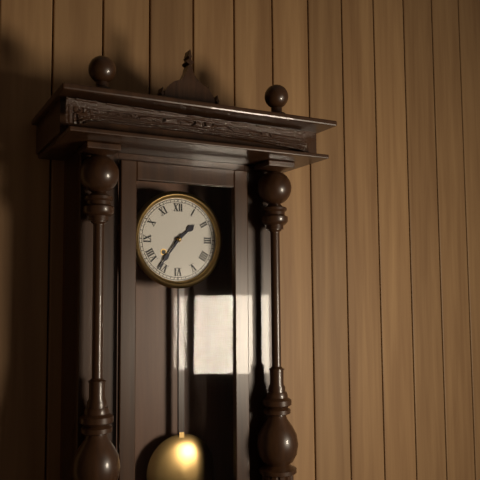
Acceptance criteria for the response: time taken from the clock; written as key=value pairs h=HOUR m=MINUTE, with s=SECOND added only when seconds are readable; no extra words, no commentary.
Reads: h=1 m=36
